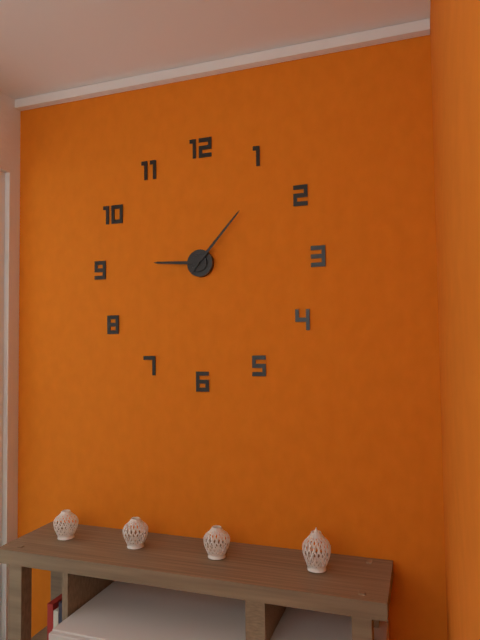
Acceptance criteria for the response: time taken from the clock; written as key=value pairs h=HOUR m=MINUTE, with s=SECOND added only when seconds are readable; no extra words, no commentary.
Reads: h=9 m=7
